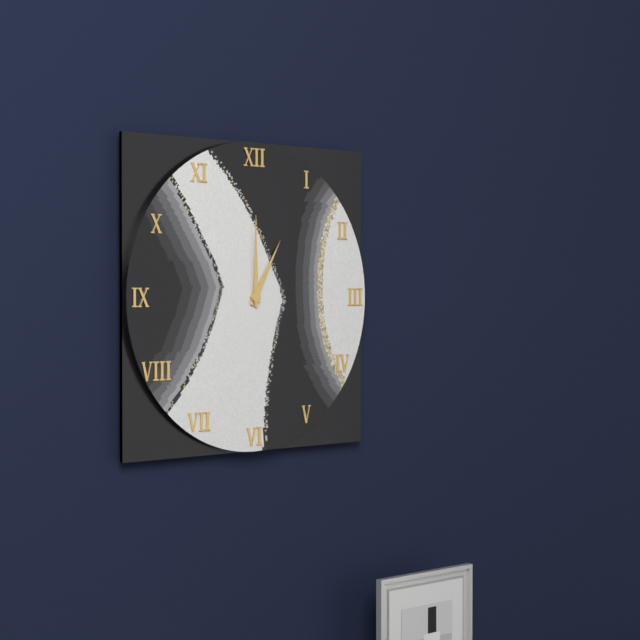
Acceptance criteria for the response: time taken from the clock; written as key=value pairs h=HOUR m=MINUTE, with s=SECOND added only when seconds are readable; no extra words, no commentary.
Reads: h=1 m=0
